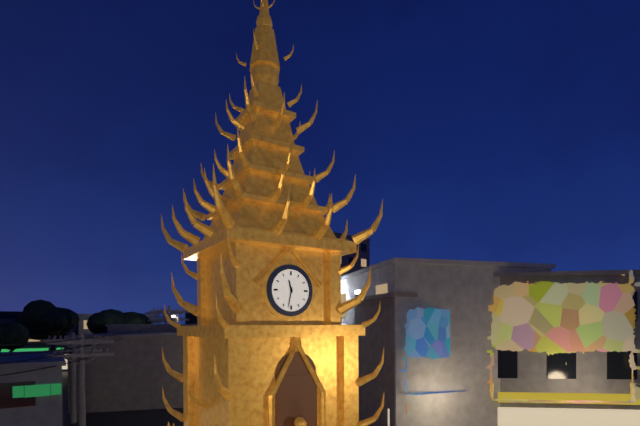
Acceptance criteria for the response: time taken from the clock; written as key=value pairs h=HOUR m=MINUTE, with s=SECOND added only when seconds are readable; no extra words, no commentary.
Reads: h=11 m=32
